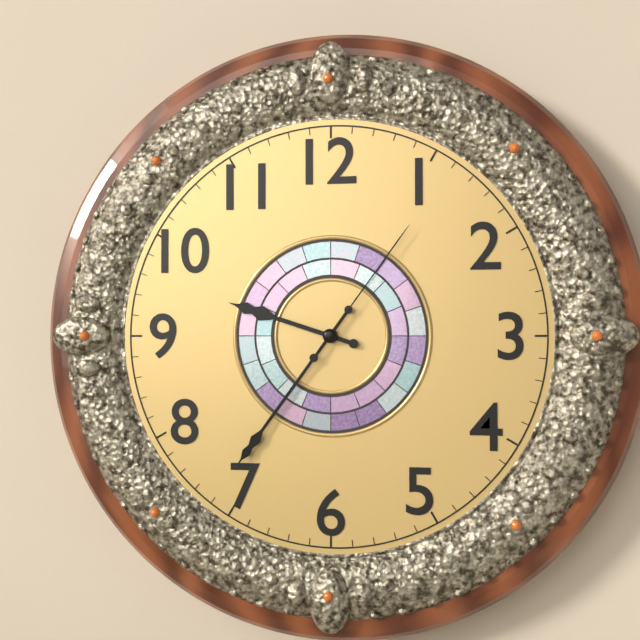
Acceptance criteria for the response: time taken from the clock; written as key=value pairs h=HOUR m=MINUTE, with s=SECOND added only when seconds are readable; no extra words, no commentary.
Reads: h=9 m=36 s=6
